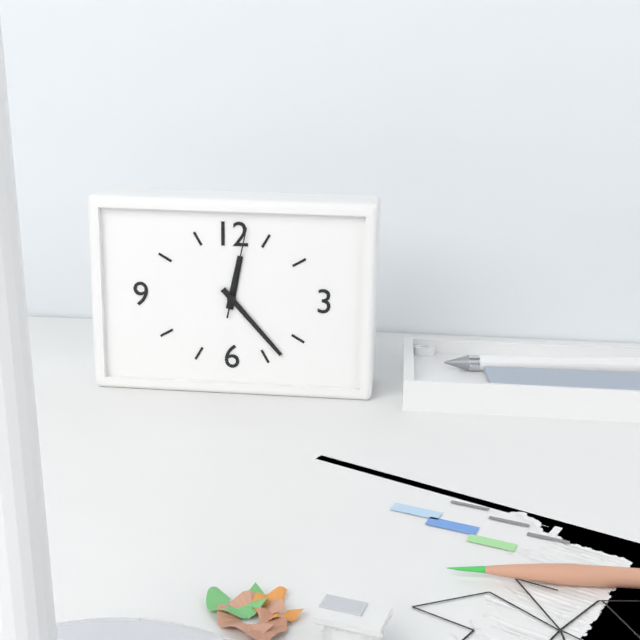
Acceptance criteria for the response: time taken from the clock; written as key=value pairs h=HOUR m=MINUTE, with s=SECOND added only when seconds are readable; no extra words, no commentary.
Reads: h=12 m=23 s=2
